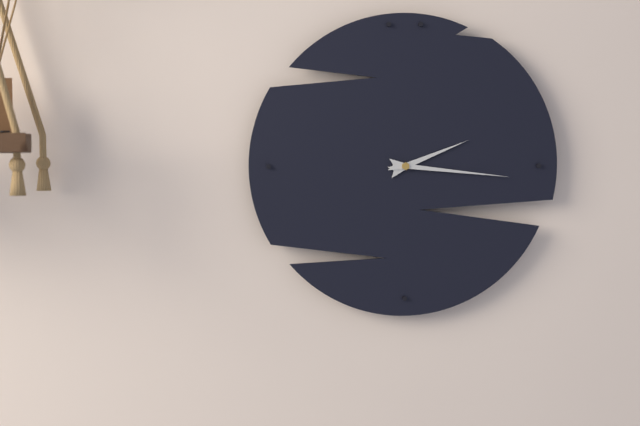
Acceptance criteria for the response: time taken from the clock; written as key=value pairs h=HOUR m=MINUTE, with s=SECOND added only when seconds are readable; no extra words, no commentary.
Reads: h=2 m=16
